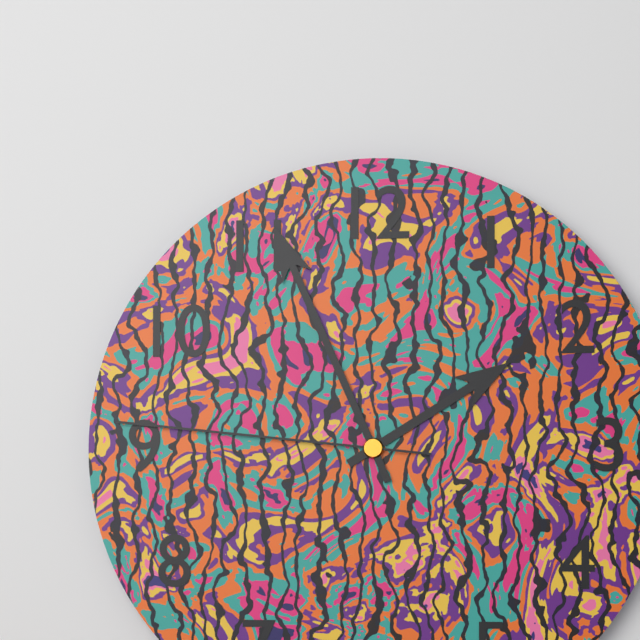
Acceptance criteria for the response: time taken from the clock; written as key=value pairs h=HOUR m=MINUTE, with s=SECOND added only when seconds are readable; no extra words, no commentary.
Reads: h=1 m=56 s=46
